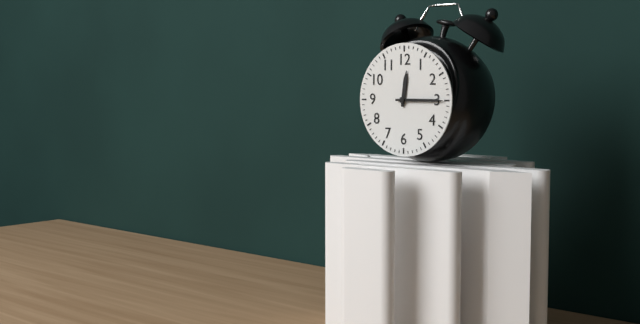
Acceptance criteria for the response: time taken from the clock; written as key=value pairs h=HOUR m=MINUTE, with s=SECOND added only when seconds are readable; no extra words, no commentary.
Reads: h=12 m=15
